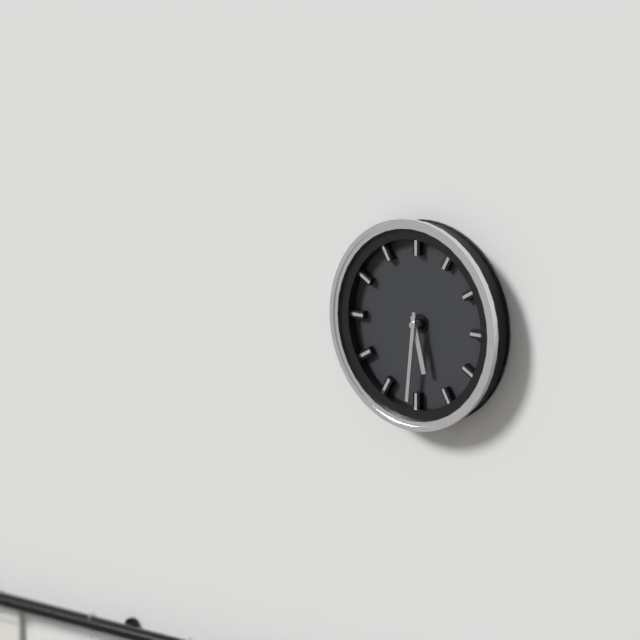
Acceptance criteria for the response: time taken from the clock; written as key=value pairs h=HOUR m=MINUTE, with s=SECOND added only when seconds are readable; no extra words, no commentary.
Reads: h=5 m=31
